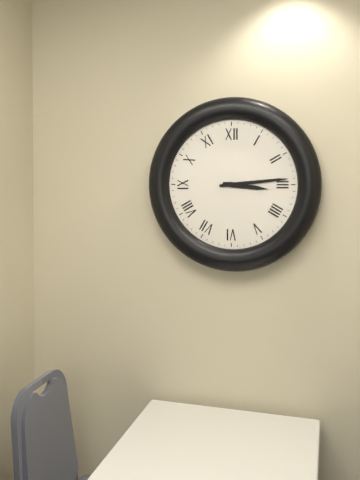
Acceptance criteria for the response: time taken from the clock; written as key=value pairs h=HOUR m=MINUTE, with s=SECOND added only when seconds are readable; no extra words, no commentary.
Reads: h=3 m=14
